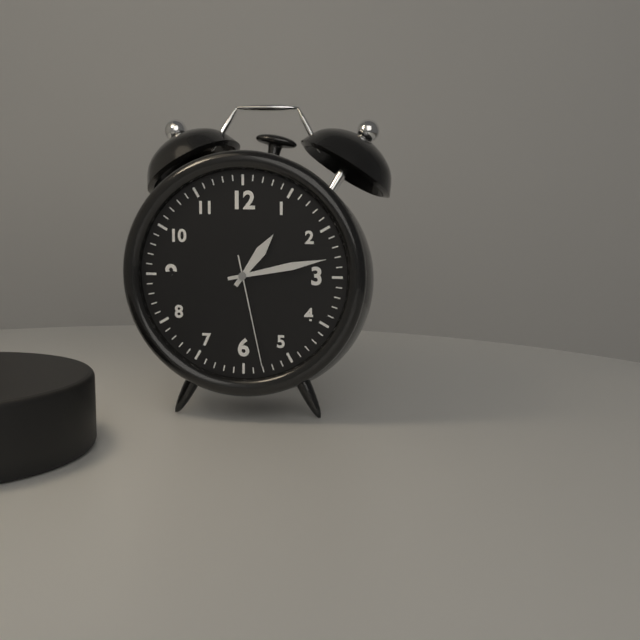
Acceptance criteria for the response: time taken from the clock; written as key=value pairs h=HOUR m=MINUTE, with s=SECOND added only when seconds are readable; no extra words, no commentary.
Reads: h=1 m=13 s=28
